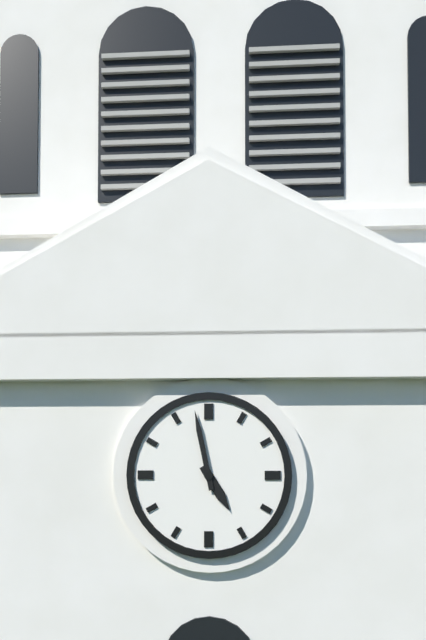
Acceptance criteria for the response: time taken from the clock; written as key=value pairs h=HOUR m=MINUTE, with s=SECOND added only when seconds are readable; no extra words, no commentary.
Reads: h=4 m=58
